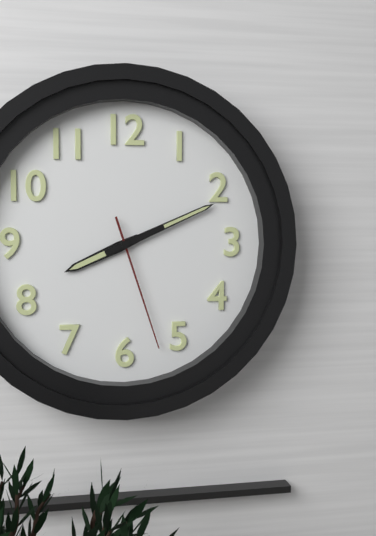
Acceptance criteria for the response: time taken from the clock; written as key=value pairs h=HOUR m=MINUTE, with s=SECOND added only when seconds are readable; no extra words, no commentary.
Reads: h=8 m=11 s=27
